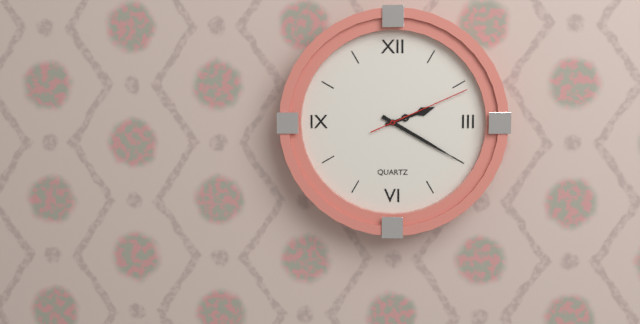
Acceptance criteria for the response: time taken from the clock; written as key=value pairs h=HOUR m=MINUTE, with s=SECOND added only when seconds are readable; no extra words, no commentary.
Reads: h=2 m=20 s=11
